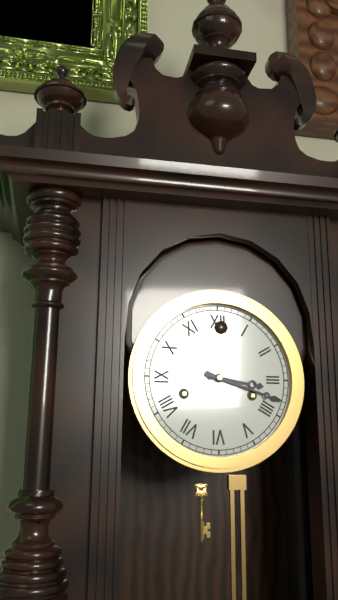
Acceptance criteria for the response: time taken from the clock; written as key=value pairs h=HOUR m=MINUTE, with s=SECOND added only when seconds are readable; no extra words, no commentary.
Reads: h=3 m=18
